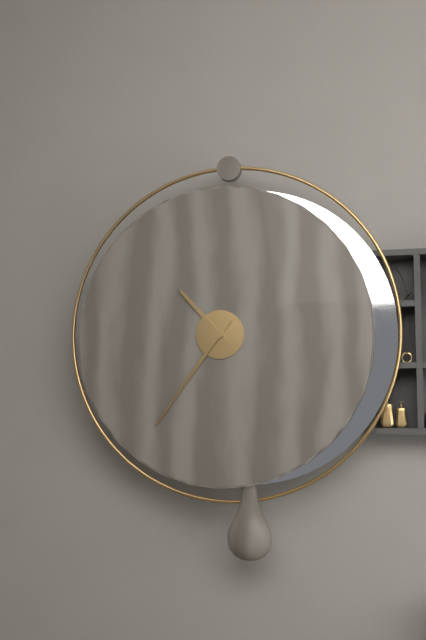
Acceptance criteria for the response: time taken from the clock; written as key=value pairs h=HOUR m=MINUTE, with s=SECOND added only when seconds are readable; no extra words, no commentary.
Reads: h=10 m=36
